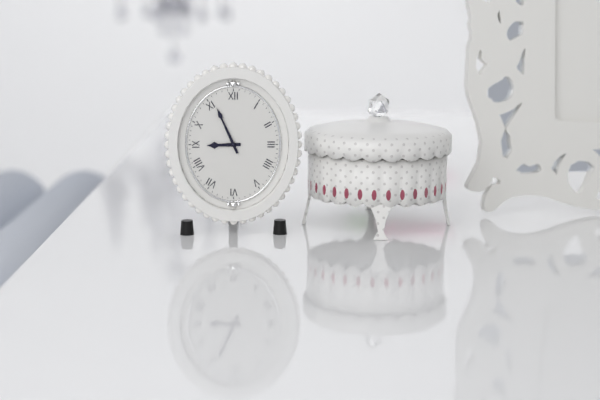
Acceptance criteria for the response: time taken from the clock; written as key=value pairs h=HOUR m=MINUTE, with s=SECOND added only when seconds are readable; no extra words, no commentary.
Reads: h=8 m=56
